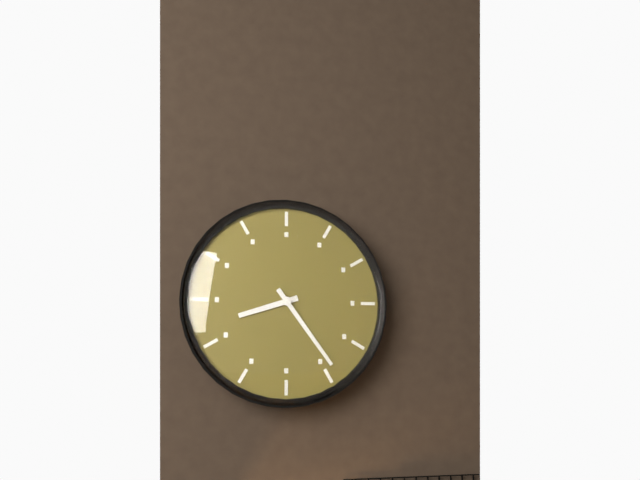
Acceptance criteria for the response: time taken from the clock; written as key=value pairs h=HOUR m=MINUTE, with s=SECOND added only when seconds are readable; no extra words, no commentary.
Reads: h=8 m=24
